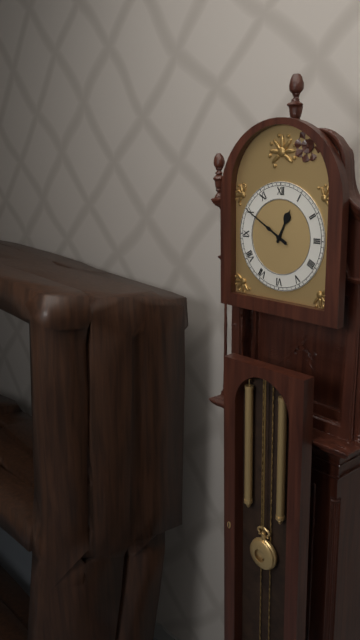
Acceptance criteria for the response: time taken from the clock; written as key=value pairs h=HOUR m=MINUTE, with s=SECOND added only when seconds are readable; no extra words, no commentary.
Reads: h=12 m=50
